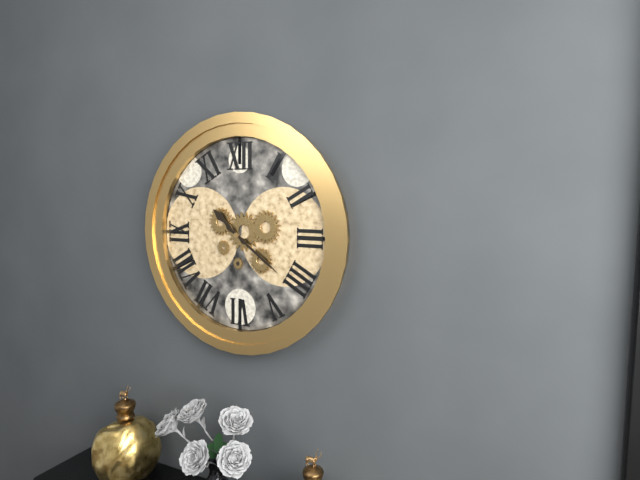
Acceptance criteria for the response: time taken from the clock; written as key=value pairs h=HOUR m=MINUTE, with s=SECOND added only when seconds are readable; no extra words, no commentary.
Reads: h=10 m=21
